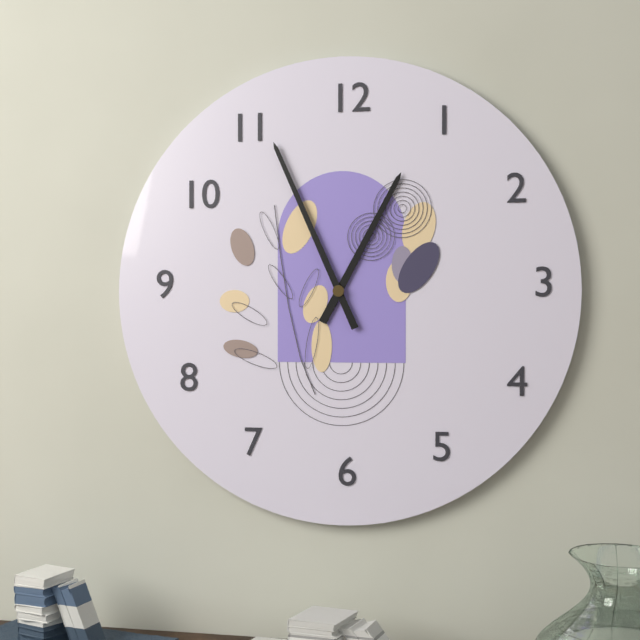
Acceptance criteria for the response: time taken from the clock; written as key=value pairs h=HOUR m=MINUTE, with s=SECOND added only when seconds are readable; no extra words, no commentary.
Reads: h=12 m=56
